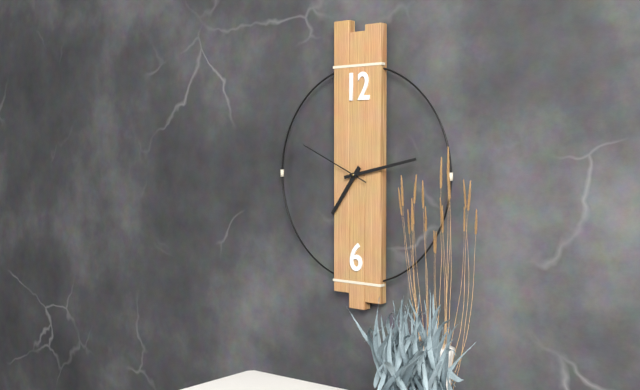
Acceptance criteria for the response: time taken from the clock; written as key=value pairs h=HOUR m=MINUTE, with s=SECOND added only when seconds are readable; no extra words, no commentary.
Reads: h=7 m=13 s=49
